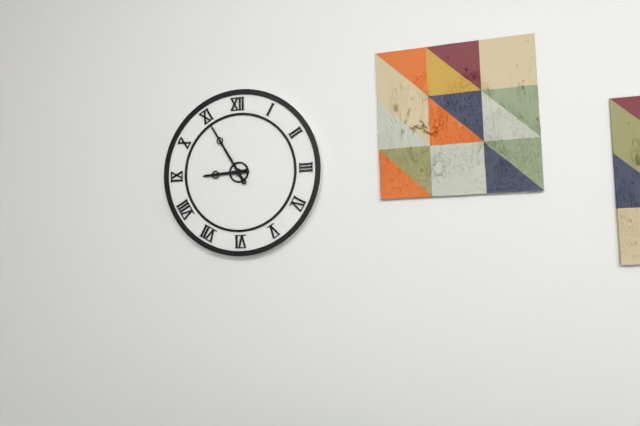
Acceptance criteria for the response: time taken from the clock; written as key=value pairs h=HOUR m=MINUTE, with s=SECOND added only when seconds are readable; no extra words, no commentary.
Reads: h=8 m=55
